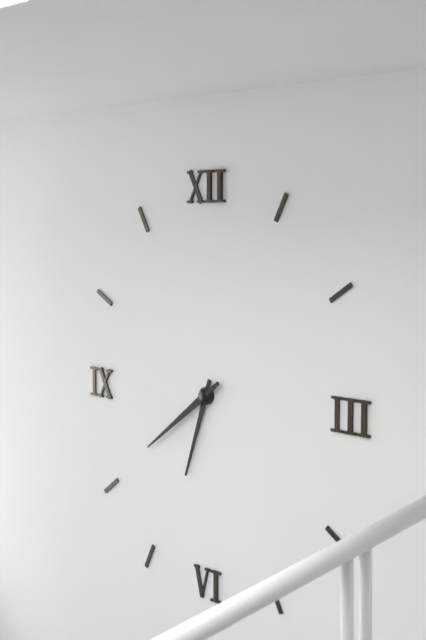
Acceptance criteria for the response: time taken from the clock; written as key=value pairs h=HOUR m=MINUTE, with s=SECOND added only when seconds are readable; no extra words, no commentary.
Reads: h=6 m=39
